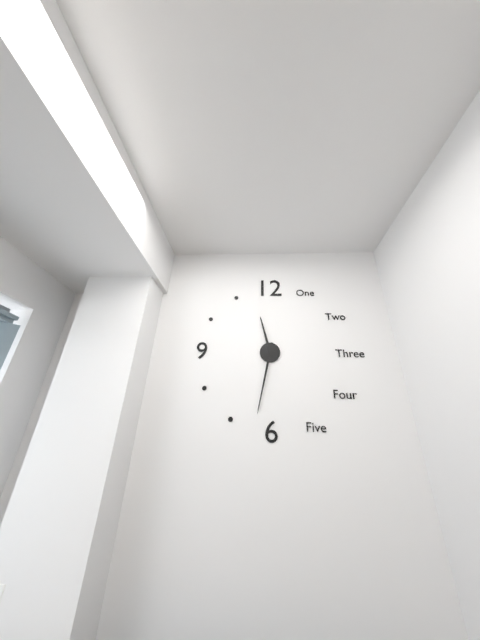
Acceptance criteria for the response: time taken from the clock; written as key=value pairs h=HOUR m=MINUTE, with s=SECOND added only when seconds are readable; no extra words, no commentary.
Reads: h=11 m=32
